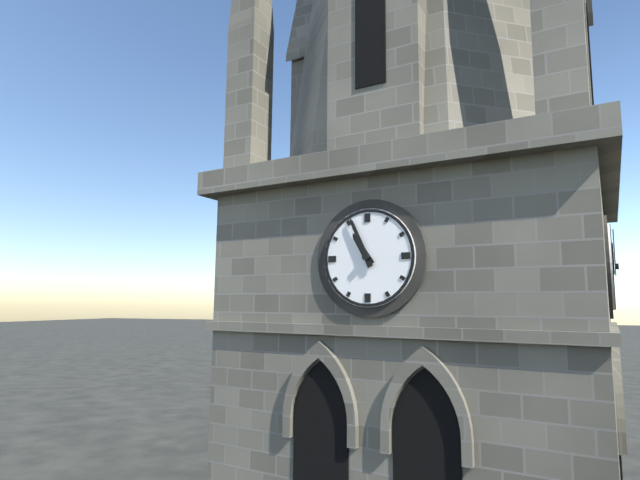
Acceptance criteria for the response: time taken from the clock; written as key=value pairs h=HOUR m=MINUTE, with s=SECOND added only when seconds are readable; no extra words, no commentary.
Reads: h=10 m=56
